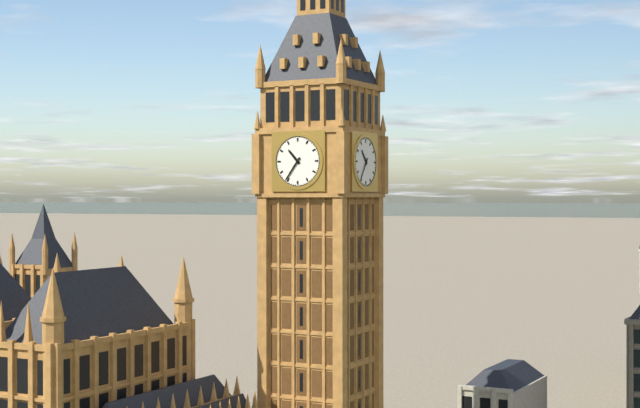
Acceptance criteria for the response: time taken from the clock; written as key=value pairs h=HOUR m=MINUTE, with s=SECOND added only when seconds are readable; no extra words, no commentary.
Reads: h=10 m=36
